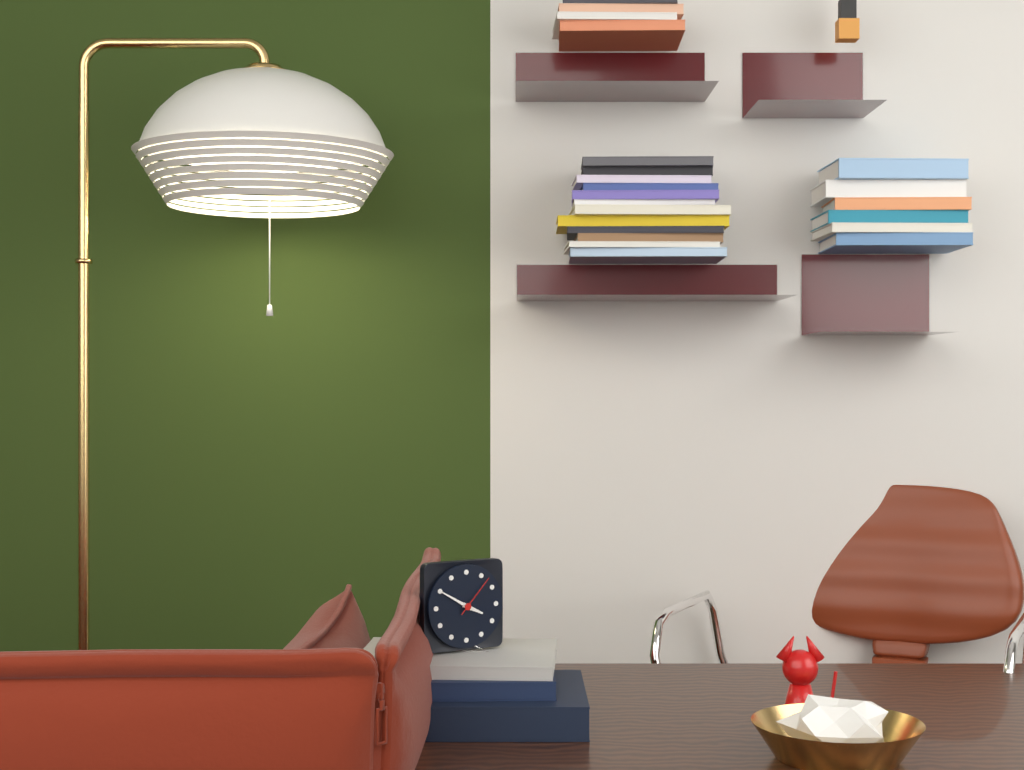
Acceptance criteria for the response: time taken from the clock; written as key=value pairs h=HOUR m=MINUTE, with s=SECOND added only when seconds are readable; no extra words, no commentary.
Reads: h=3 m=50
